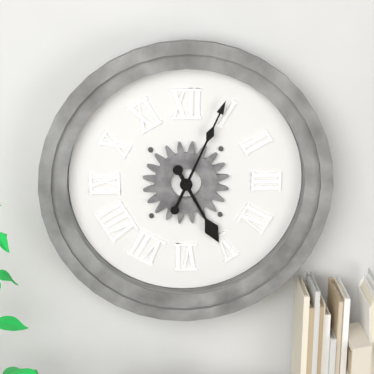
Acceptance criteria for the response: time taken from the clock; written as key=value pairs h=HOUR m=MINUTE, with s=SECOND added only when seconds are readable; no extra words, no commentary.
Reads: h=5 m=4
